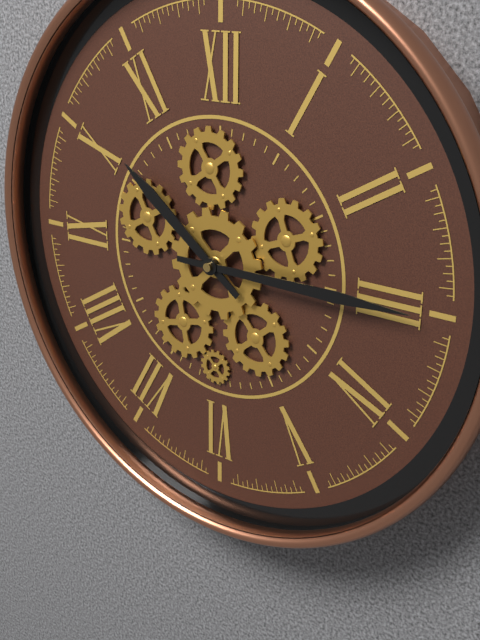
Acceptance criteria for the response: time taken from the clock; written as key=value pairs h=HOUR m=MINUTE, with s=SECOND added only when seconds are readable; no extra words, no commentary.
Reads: h=10 m=15
